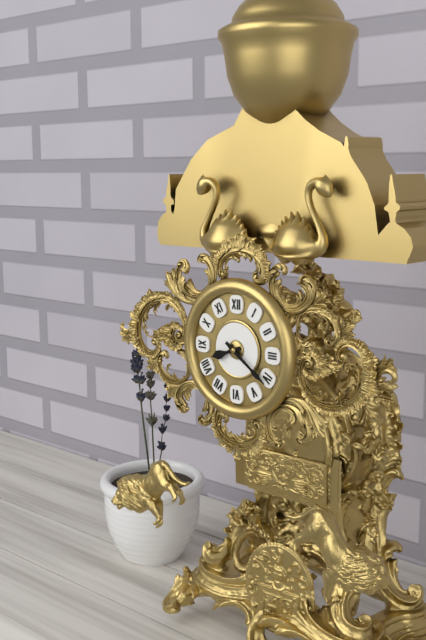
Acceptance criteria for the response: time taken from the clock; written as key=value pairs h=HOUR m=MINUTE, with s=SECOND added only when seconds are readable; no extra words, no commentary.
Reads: h=8 m=21
